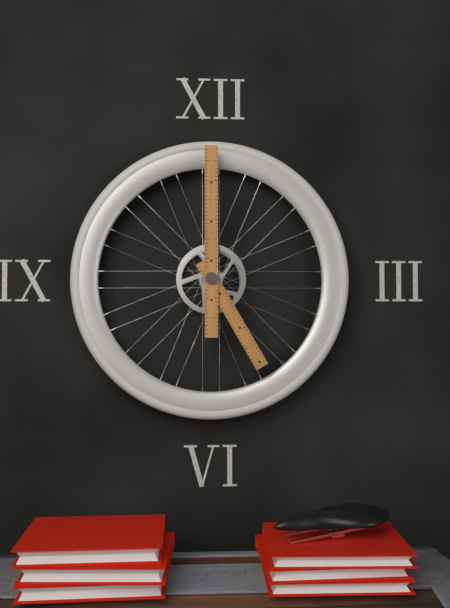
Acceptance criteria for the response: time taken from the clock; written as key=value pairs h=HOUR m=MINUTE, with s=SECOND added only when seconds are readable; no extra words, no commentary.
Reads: h=5 m=0
